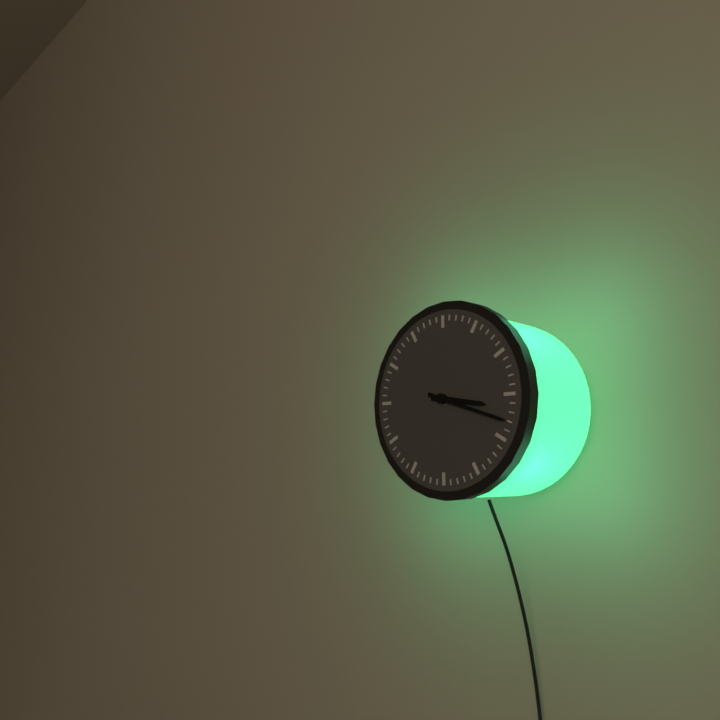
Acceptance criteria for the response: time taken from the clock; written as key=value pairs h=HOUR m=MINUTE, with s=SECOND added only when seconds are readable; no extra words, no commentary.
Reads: h=3 m=18
